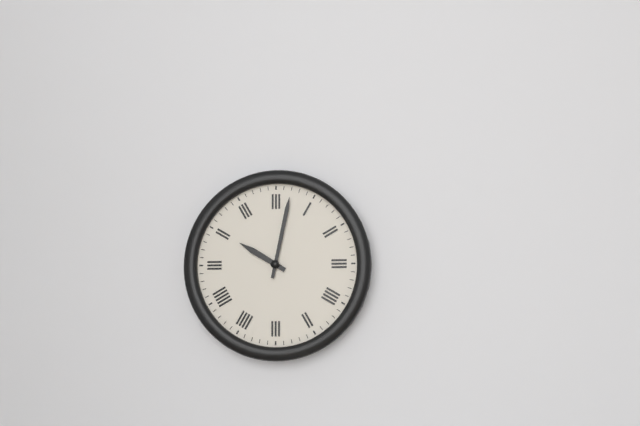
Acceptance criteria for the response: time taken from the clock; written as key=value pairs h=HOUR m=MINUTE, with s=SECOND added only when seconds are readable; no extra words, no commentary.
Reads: h=10 m=2
